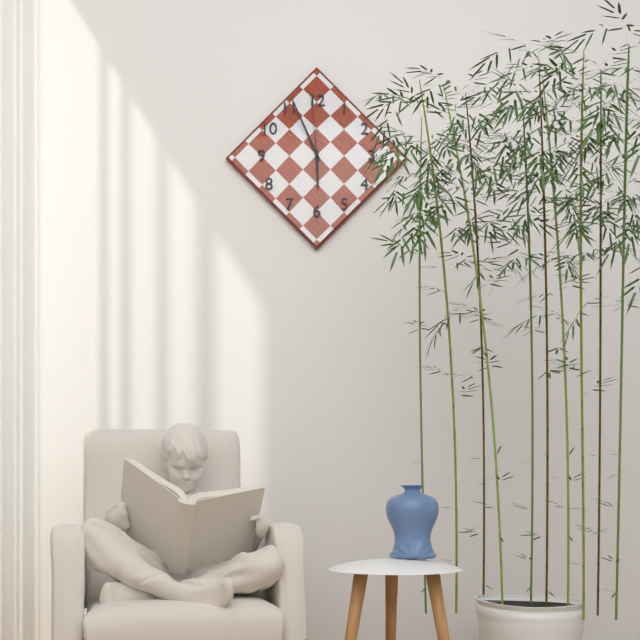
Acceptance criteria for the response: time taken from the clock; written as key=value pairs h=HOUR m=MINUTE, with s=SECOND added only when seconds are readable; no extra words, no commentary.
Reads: h=5 m=56 s=59
